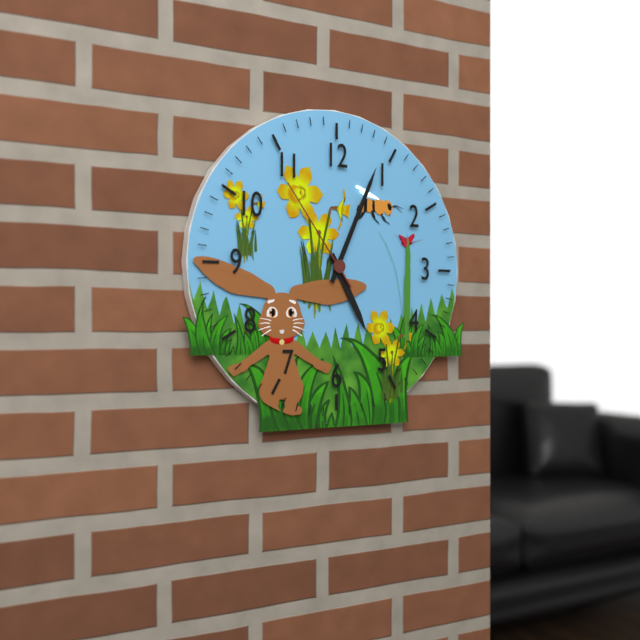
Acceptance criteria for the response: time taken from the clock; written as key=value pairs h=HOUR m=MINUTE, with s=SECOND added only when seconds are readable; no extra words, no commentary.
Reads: h=5 m=4 s=54
